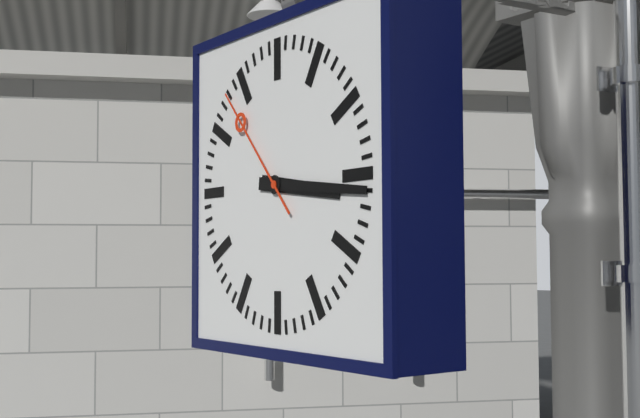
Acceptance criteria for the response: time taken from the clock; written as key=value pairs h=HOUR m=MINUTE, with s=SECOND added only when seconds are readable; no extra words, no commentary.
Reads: h=3 m=16 s=53
